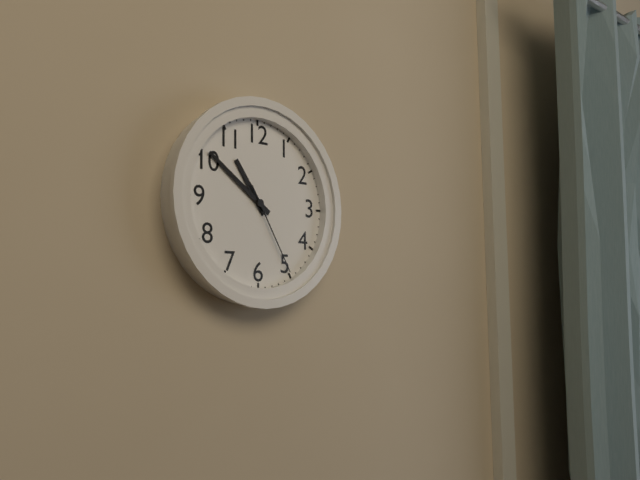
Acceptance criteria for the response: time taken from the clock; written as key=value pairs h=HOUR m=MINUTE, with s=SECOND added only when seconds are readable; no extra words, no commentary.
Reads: h=10 m=51 s=25
